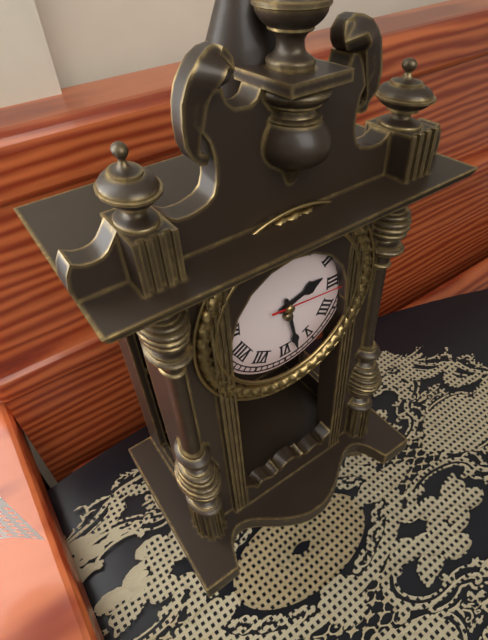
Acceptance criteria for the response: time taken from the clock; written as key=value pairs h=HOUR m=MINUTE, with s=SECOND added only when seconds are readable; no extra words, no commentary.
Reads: h=2 m=28 s=16
